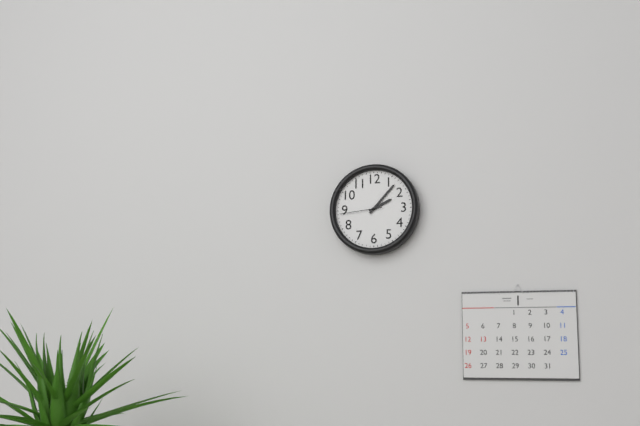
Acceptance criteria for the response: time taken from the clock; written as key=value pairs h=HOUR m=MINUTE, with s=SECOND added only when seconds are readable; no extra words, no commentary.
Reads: h=2 m=7
